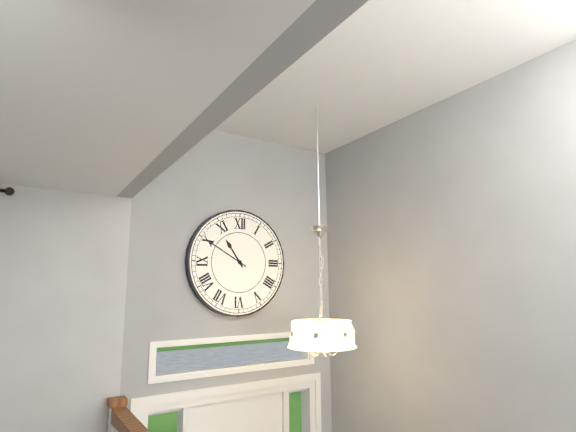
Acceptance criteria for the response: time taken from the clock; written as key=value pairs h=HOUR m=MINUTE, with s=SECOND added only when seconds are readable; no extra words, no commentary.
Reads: h=10 m=50
